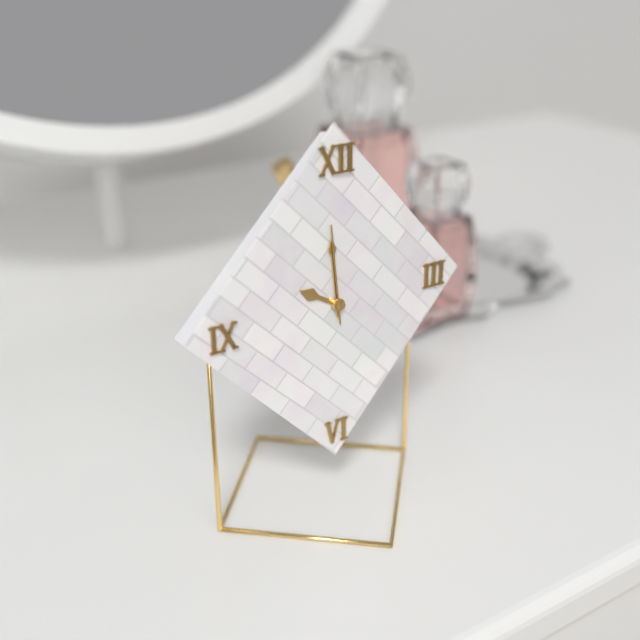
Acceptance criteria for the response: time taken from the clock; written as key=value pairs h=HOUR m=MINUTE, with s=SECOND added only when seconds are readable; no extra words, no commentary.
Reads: h=9 m=59 s=59
